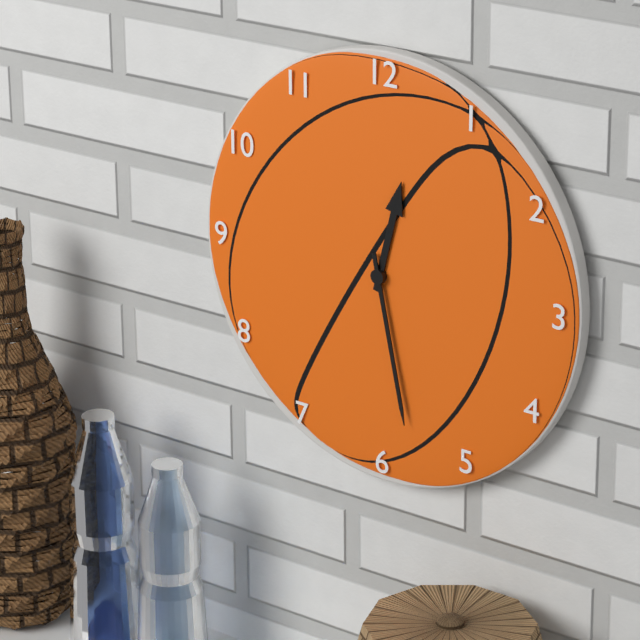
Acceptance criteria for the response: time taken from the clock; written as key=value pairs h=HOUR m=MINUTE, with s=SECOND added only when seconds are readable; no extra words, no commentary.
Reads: h=12 m=28
